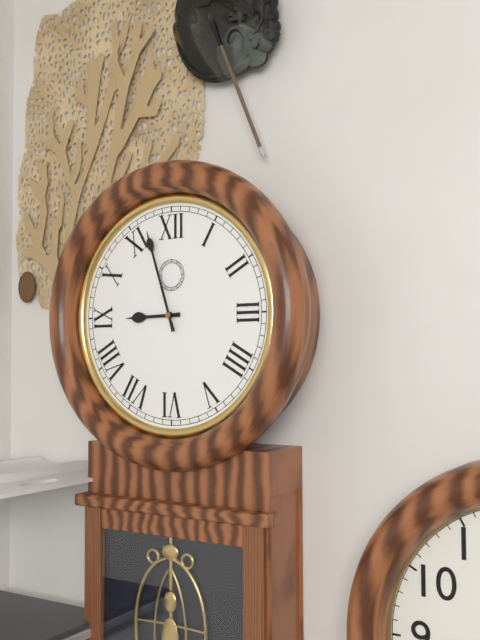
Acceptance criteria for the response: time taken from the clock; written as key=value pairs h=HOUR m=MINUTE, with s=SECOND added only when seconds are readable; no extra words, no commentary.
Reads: h=8 m=57
